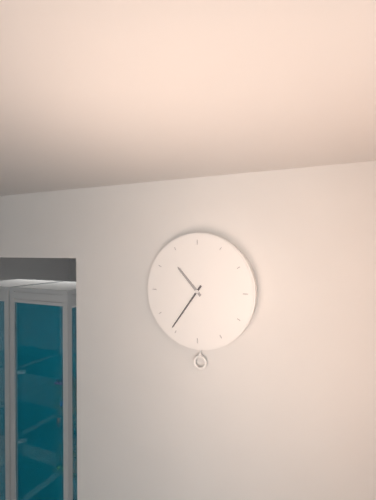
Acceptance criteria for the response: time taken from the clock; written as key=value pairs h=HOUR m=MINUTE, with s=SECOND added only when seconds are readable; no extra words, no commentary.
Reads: h=10 m=36
